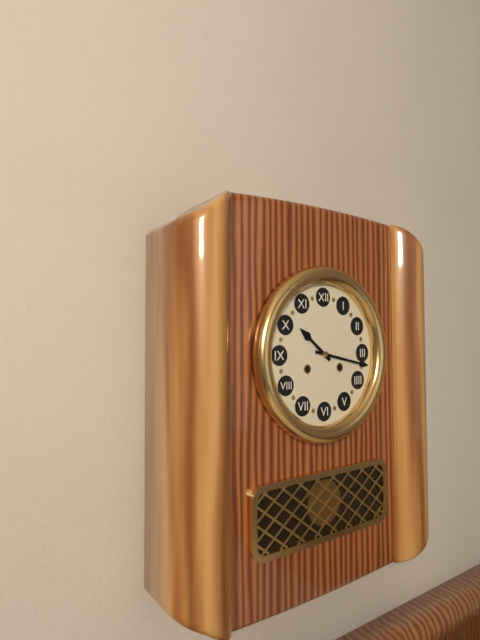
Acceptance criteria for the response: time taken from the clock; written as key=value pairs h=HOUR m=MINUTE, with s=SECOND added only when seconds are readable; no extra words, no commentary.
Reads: h=10 m=17
